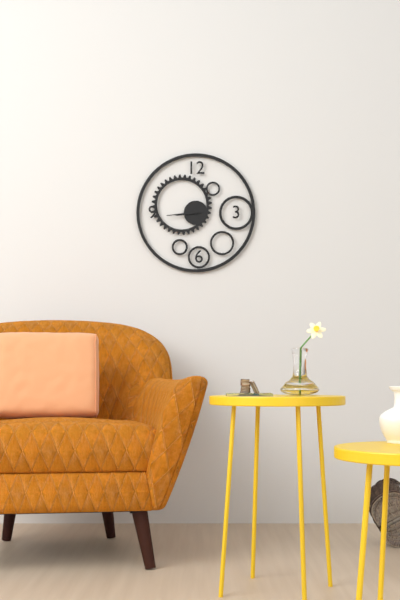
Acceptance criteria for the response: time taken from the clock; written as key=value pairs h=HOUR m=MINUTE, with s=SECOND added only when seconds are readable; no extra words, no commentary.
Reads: h=8 m=44
